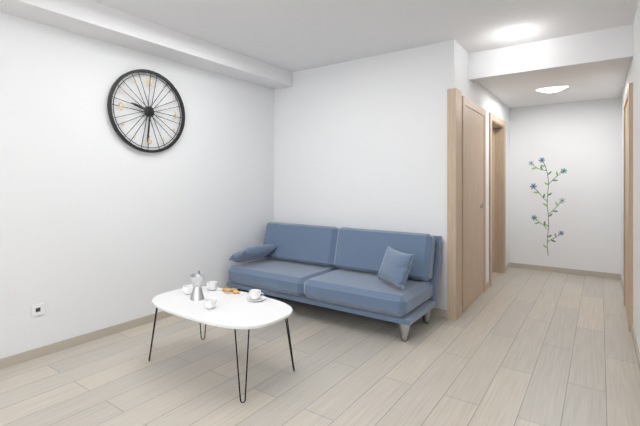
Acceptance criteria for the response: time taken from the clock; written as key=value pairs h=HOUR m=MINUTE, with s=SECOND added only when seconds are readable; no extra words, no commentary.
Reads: h=9 m=31
